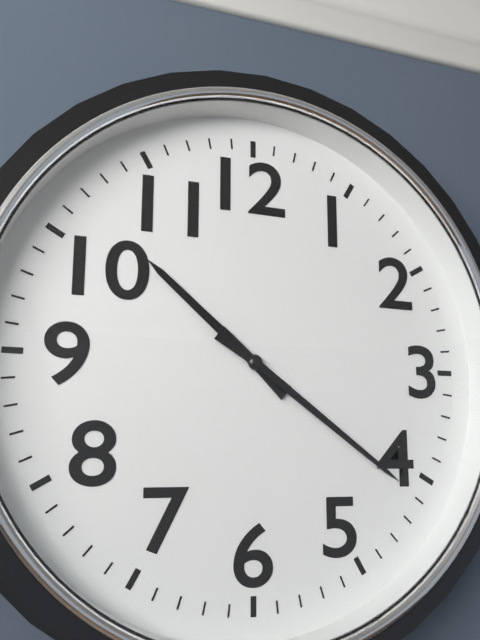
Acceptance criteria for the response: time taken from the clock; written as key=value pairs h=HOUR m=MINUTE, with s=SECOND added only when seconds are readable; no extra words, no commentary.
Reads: h=10 m=21
